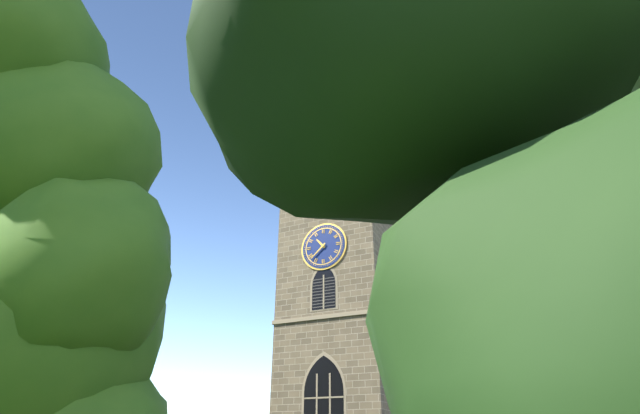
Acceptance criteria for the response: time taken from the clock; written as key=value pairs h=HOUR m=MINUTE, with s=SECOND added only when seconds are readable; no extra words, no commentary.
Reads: h=10 m=38
